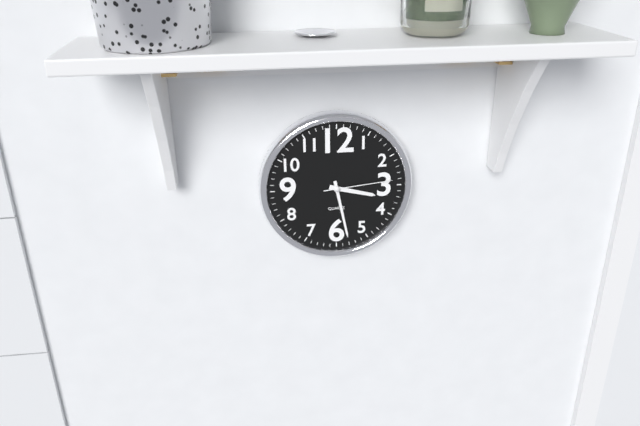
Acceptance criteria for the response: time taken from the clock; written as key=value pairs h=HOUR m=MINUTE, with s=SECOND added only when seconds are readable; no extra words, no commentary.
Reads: h=3 m=28 s=14
